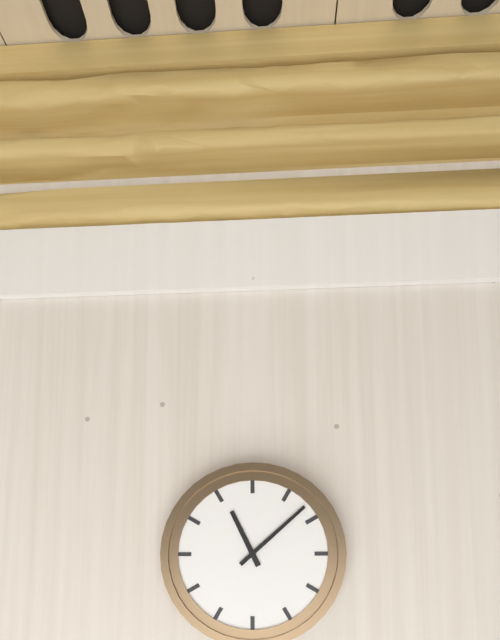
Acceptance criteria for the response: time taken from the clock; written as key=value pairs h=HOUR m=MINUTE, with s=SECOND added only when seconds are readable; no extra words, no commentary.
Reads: h=11 m=8
